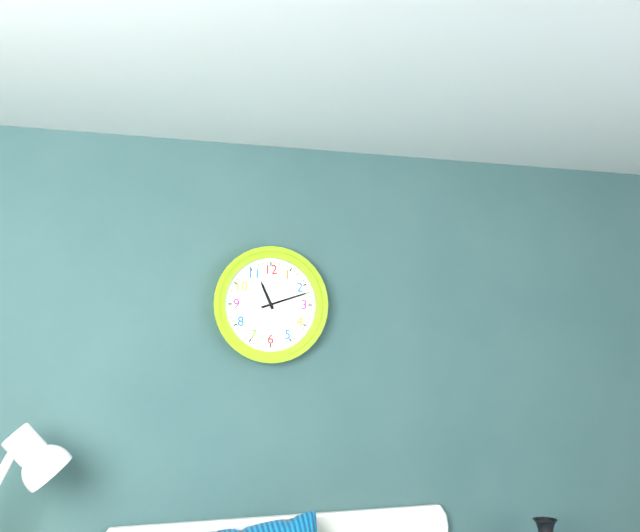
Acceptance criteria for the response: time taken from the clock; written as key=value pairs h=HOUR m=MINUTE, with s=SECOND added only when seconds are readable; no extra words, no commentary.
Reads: h=11 m=12
